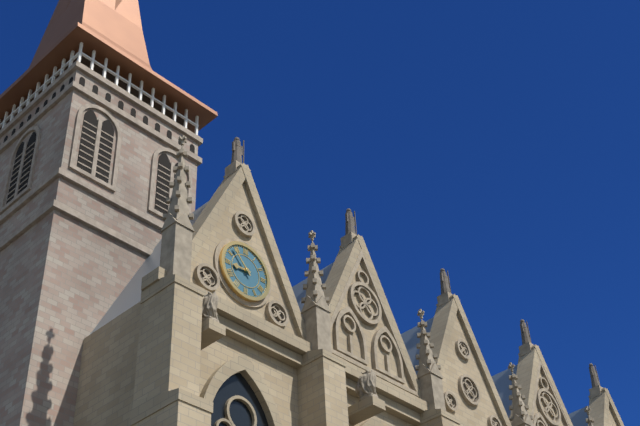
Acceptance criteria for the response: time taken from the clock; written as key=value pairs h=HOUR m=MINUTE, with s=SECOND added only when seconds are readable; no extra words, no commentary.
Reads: h=8 m=53
